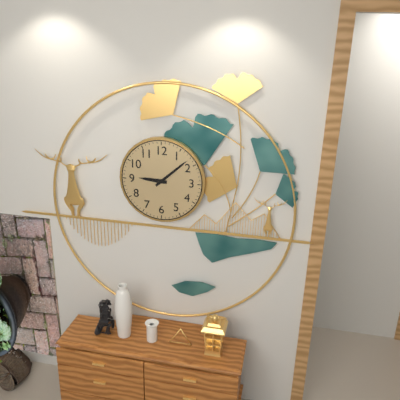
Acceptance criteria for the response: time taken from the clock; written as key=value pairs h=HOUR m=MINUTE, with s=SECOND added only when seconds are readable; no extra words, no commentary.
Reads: h=9 m=8
